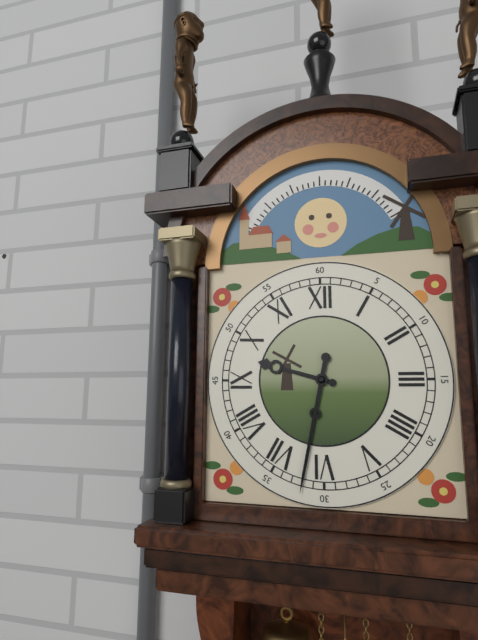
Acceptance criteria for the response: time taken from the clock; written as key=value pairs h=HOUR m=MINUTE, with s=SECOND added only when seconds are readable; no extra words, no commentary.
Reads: h=9 m=32
